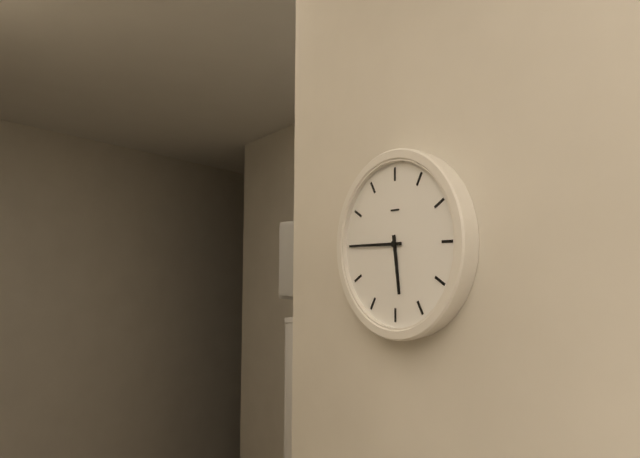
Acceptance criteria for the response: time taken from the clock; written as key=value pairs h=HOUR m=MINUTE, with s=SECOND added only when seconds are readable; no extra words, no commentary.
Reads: h=5 m=45
